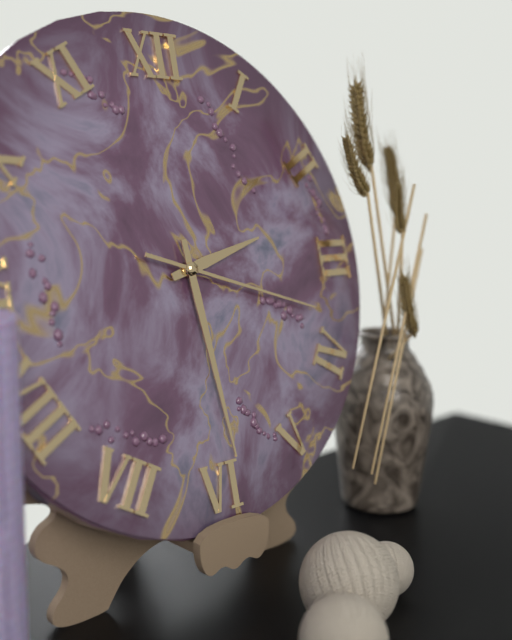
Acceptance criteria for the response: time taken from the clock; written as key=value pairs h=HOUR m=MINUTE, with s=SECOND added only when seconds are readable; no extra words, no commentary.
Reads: h=2 m=29 s=18
